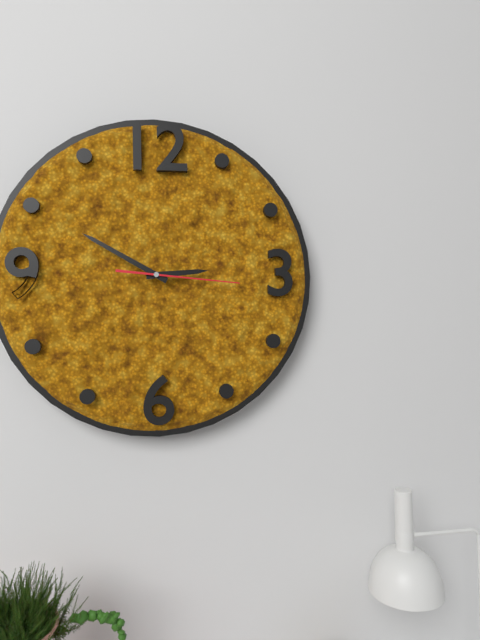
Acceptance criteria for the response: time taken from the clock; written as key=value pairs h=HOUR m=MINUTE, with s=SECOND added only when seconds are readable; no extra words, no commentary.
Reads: h=2 m=50 s=16
